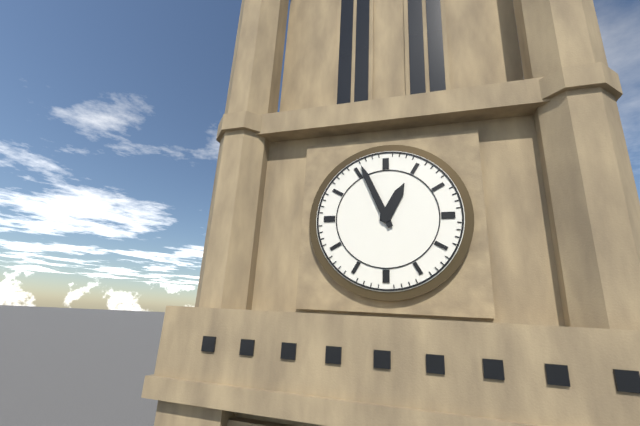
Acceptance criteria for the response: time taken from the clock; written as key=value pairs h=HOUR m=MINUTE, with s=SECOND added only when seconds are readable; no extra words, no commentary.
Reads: h=12 m=56
